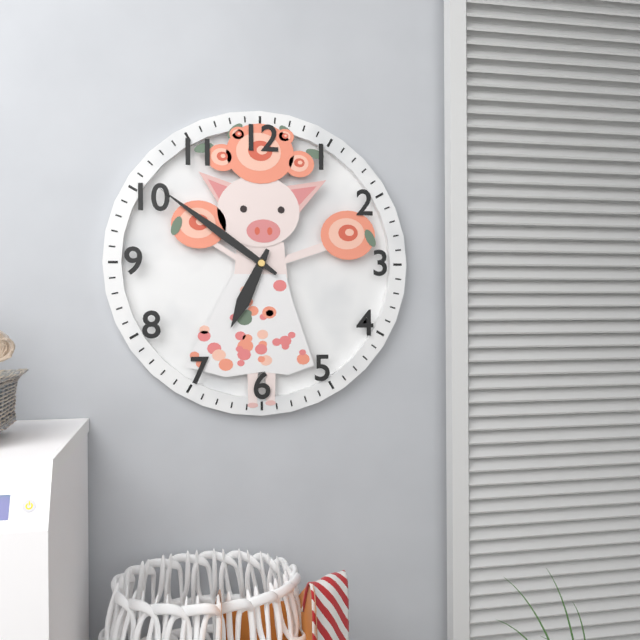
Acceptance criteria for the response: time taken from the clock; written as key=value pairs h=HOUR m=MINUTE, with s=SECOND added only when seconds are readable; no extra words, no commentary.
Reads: h=6 m=51
